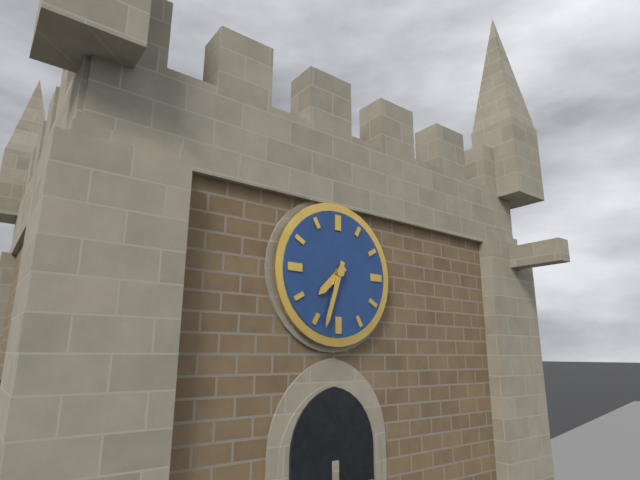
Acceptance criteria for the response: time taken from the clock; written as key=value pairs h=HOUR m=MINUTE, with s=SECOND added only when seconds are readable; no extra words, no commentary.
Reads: h=7 m=33
